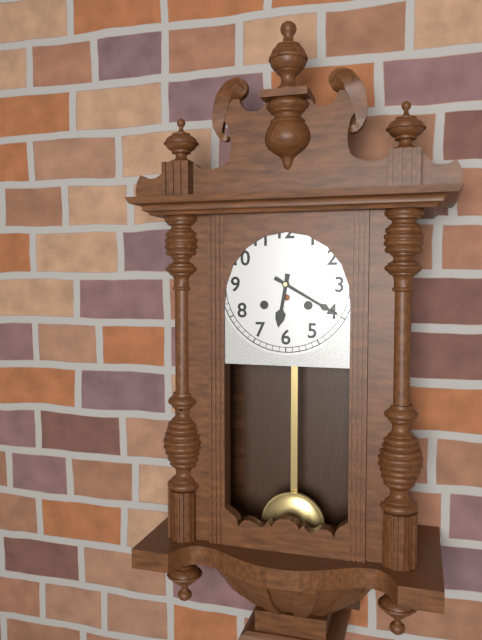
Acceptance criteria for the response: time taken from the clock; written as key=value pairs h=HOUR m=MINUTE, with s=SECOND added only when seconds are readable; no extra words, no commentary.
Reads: h=6 m=20
